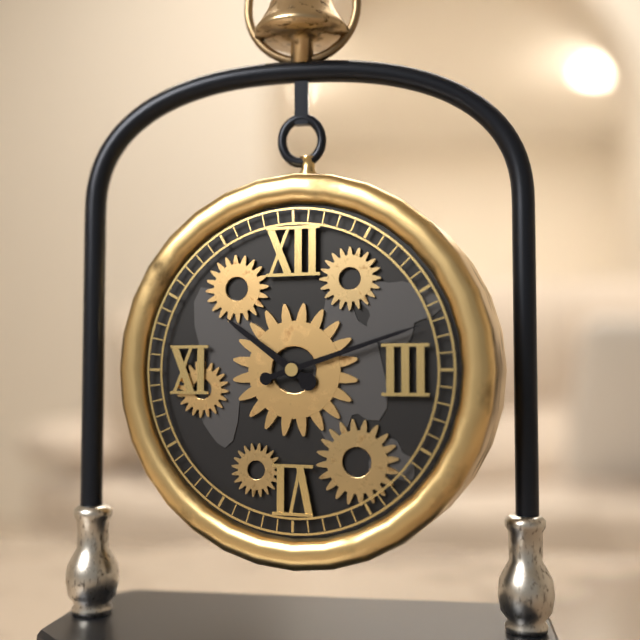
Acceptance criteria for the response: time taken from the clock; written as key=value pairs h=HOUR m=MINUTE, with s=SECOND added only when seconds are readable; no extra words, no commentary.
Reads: h=10 m=12
